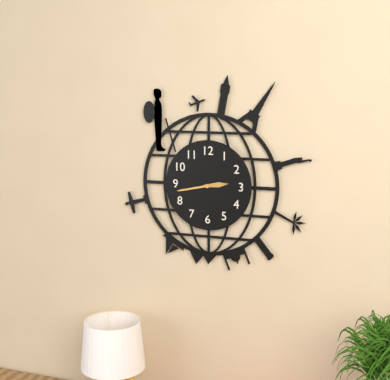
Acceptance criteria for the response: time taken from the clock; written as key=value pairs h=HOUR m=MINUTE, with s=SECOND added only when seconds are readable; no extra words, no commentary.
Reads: h=2 m=43
